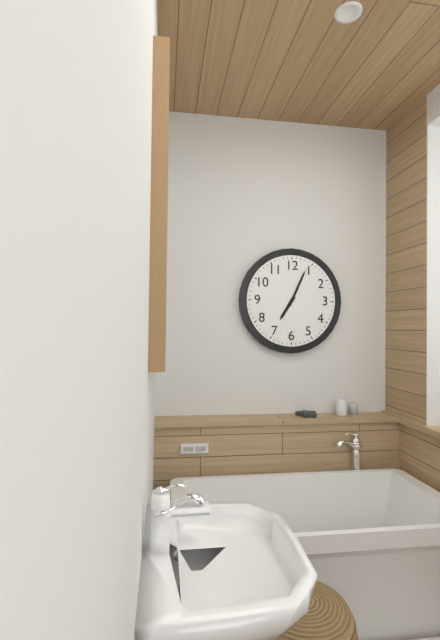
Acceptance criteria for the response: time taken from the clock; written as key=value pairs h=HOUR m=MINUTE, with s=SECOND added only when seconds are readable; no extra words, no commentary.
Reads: h=7 m=4
